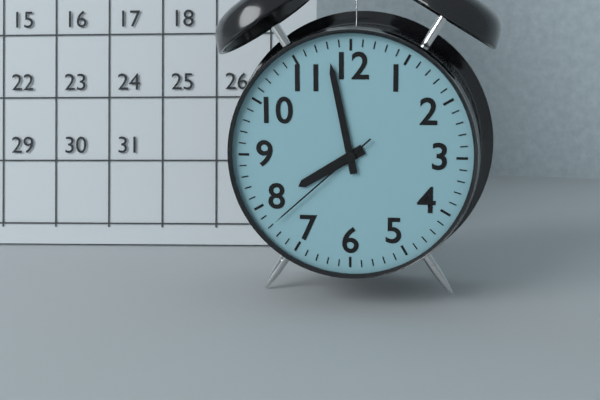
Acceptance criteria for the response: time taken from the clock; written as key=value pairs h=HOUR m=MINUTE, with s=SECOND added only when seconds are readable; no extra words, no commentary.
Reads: h=7 m=58 s=38
